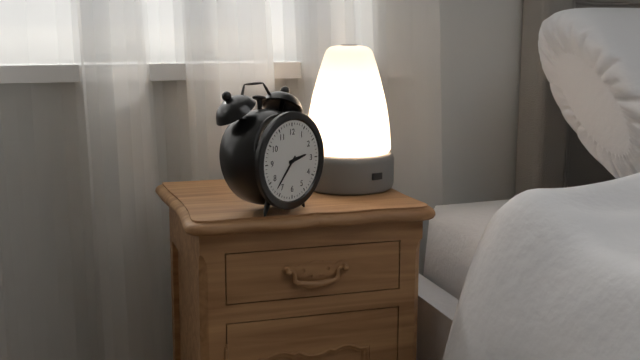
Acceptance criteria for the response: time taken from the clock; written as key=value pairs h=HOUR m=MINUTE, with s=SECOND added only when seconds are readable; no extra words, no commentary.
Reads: h=2 m=37
